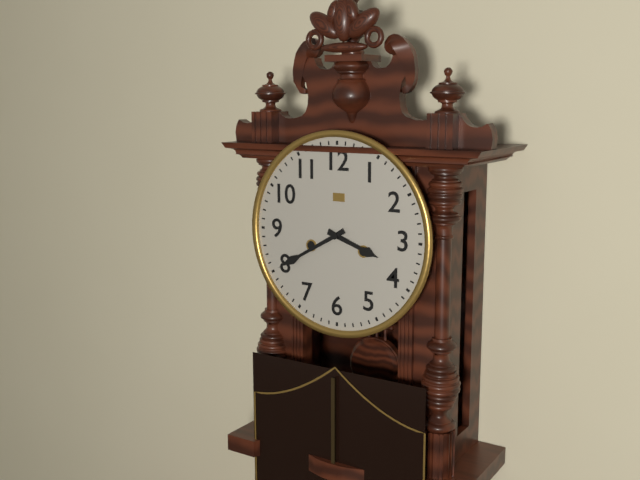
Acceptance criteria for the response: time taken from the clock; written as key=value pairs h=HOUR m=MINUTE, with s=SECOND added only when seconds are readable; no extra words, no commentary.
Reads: h=3 m=40
